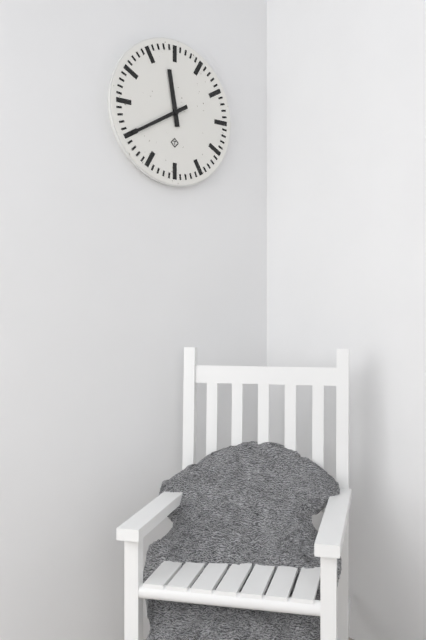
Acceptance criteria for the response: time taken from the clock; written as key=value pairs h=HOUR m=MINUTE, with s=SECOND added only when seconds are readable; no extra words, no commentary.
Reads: h=11 m=40
